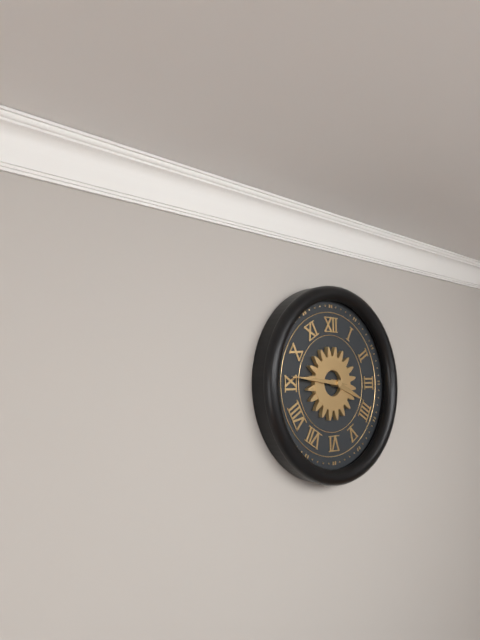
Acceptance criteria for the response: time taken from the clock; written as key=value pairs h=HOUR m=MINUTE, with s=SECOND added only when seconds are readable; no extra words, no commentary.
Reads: h=3 m=46
